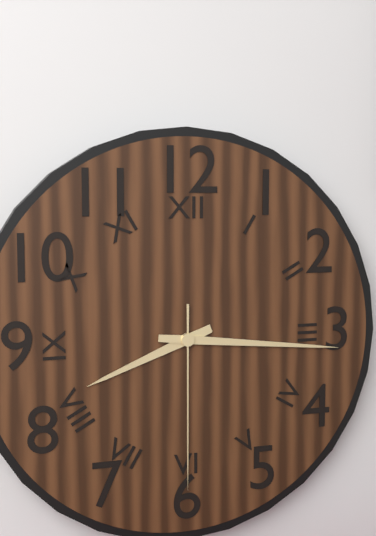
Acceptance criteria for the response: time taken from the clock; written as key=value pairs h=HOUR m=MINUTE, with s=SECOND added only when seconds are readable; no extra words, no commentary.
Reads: h=8 m=16 s=30
